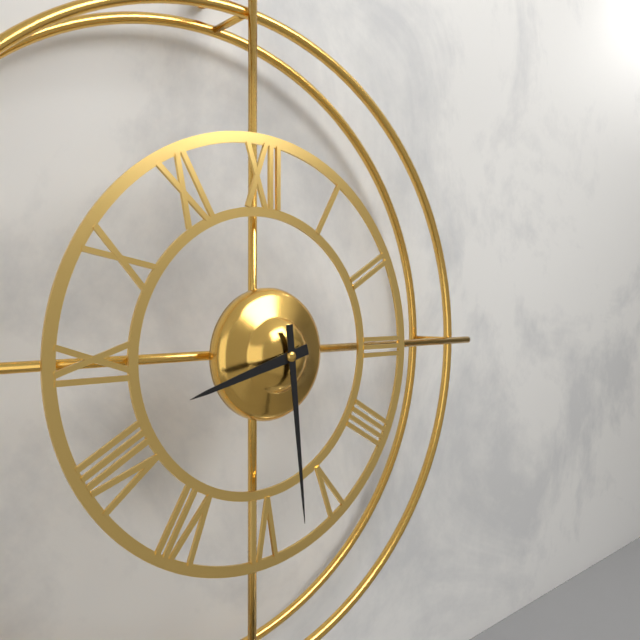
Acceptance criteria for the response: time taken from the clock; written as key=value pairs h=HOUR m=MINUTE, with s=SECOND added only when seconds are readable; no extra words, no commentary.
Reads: h=8 m=29
